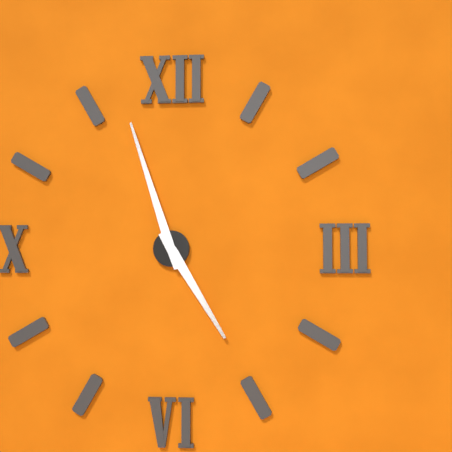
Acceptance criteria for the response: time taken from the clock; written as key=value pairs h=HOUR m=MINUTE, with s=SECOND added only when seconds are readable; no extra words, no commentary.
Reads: h=4 m=57
